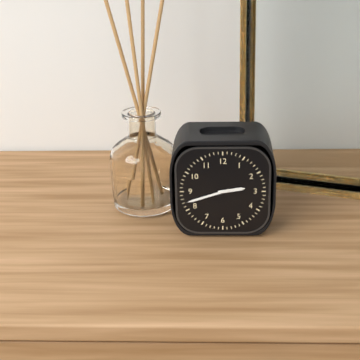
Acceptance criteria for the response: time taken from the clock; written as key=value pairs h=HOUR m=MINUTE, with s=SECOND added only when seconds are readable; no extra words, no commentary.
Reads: h=2 m=42
